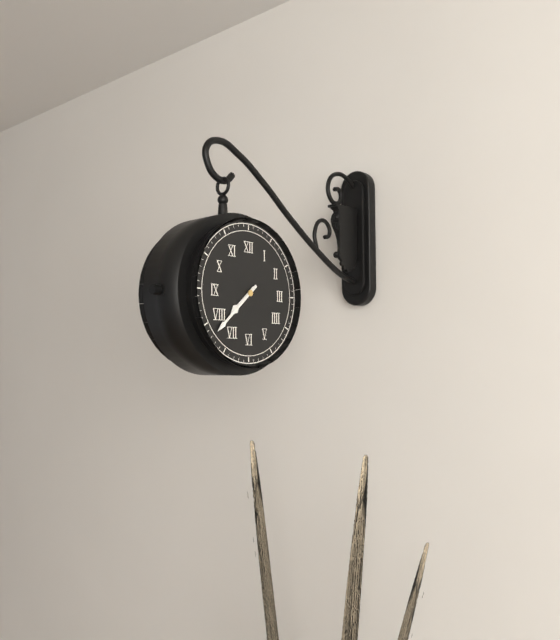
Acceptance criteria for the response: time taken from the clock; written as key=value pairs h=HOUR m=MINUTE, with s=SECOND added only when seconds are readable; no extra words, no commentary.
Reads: h=7 m=38
